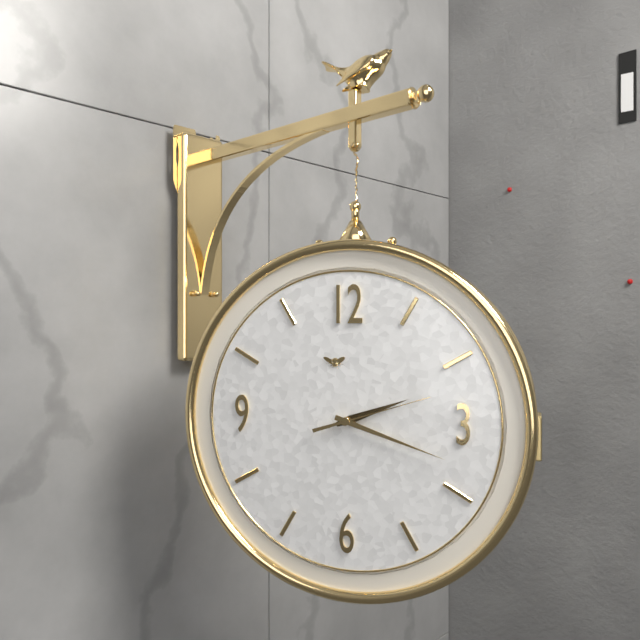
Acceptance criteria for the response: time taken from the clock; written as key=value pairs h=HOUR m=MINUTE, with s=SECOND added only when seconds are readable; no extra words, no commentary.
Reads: h=2 m=18 s=12
